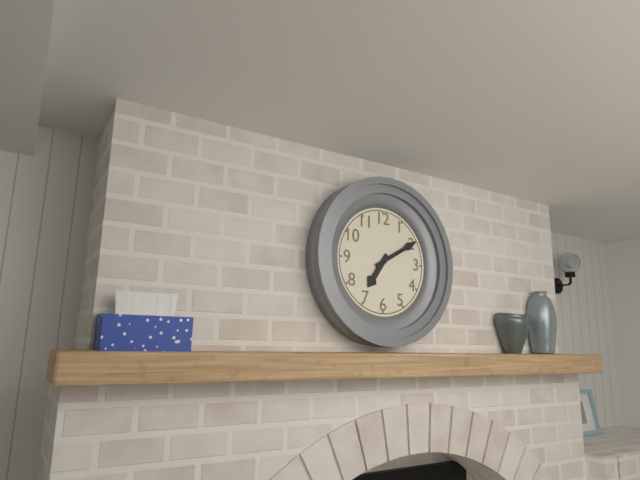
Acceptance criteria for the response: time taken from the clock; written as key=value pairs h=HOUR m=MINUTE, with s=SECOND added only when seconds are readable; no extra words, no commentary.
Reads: h=7 m=10
